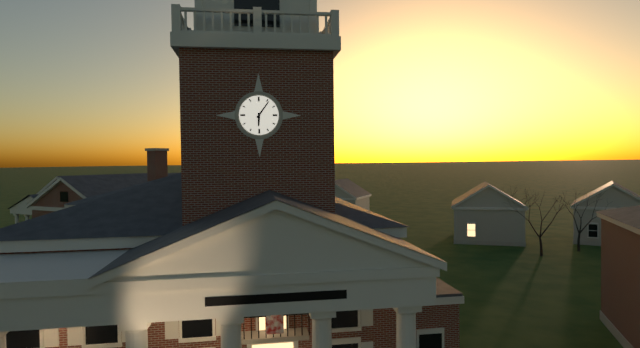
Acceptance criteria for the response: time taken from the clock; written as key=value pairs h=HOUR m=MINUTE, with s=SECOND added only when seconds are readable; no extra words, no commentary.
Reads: h=6 m=6
